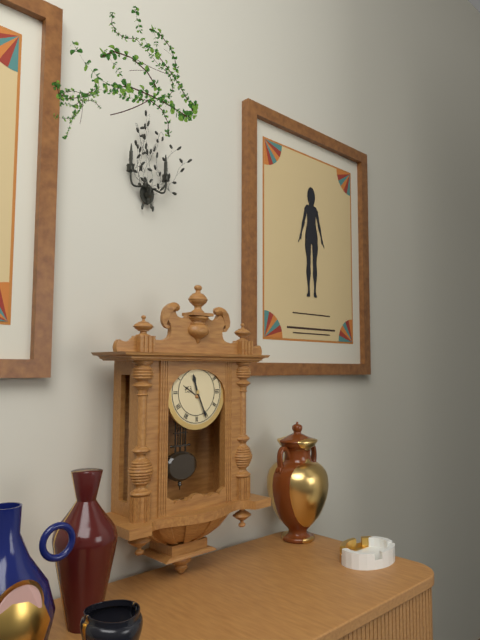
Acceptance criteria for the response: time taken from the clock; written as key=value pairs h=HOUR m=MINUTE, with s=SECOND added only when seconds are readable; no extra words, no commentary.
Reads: h=11 m=26
